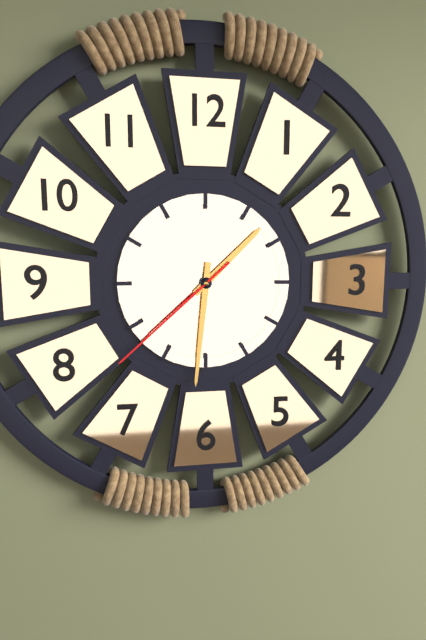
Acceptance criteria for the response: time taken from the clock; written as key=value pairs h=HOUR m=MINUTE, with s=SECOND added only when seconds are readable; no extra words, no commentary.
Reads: h=1 m=31 s=38
